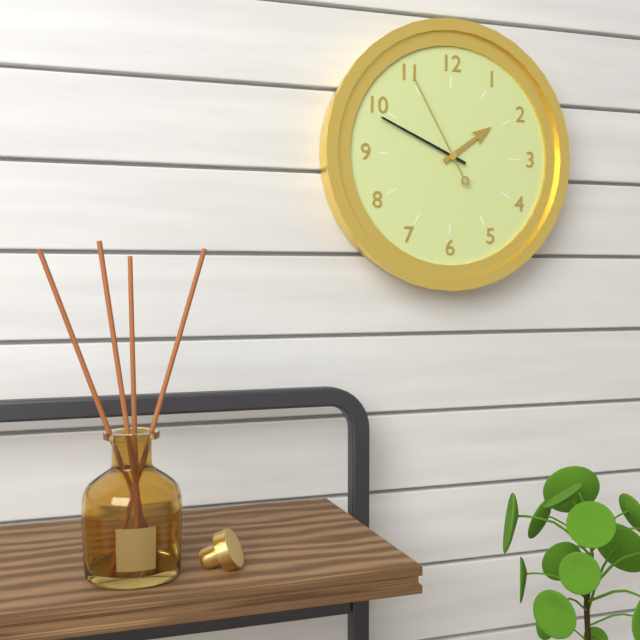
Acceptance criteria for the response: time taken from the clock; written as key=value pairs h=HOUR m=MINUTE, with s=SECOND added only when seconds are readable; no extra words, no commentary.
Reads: h=1 m=49 s=55
